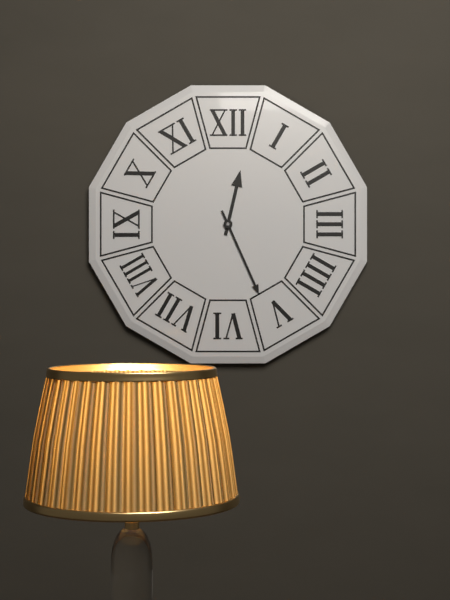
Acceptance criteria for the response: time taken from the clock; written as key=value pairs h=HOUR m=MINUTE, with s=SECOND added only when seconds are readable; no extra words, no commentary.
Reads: h=12 m=26
